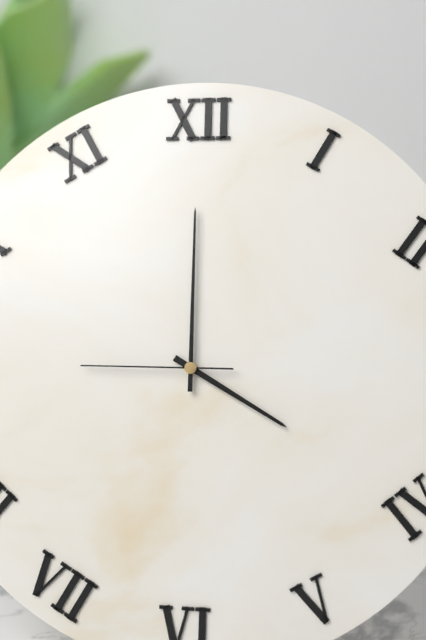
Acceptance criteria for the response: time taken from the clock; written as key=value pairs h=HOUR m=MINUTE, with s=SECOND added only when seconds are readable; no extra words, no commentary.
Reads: h=4 m=0 s=45
